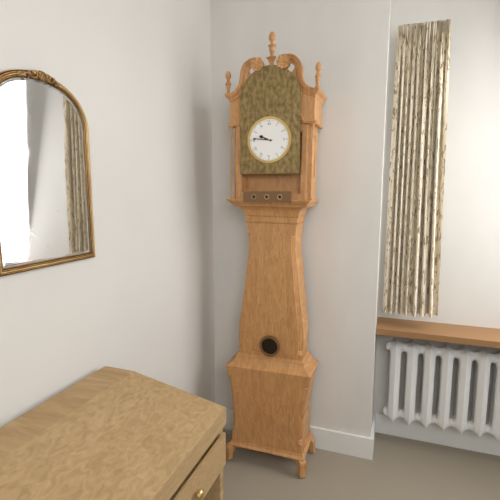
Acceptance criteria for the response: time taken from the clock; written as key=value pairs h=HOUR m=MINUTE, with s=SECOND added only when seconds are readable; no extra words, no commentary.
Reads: h=9 m=46
